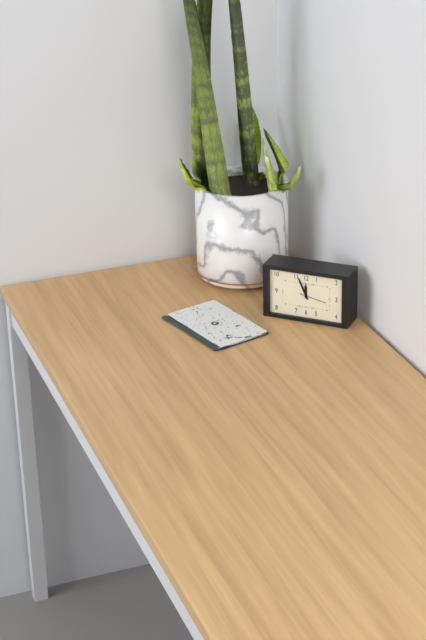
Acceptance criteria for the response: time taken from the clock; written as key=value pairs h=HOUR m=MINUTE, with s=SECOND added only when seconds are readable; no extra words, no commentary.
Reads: h=11 m=56
